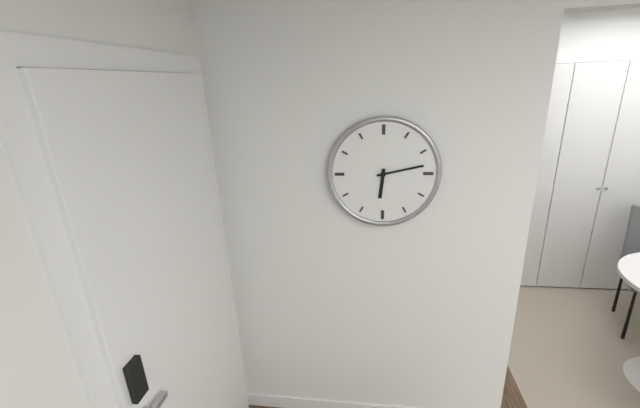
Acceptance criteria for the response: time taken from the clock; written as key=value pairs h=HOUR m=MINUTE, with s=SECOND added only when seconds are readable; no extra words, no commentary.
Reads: h=6 m=13
